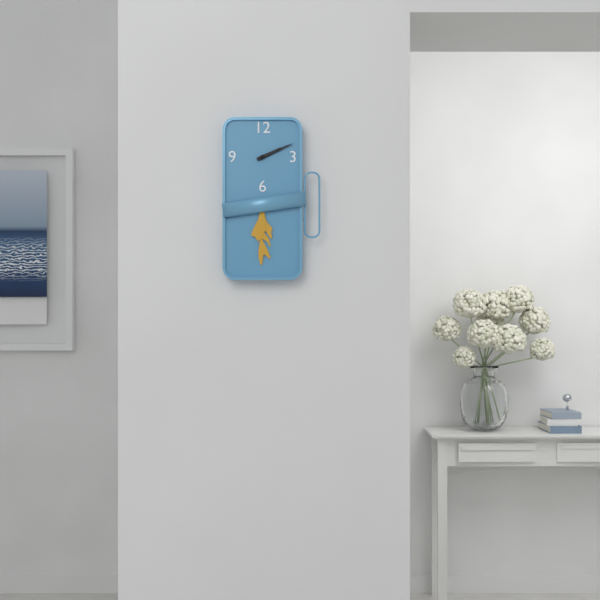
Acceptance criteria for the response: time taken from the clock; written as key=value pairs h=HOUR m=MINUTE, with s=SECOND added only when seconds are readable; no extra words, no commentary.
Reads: h=2 m=11
